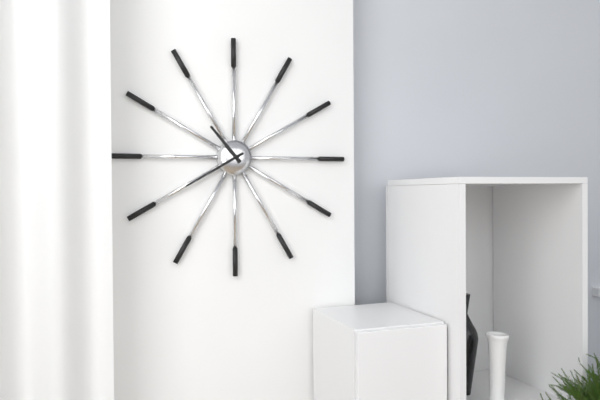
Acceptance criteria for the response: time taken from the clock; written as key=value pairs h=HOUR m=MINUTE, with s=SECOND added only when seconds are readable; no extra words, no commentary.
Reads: h=10 m=40
